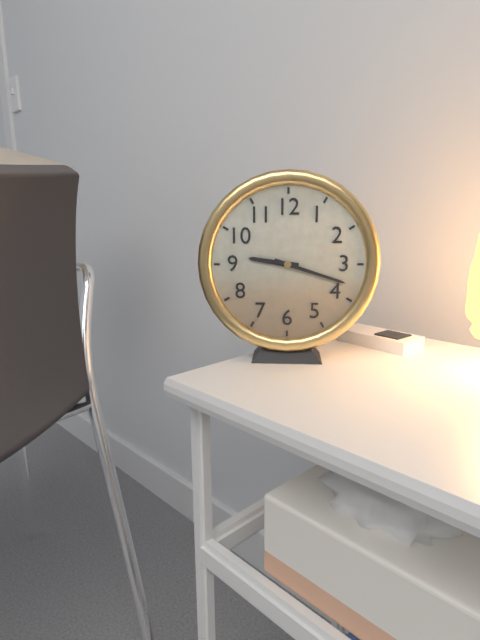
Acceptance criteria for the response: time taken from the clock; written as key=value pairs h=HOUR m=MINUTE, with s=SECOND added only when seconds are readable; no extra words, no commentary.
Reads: h=9 m=18
